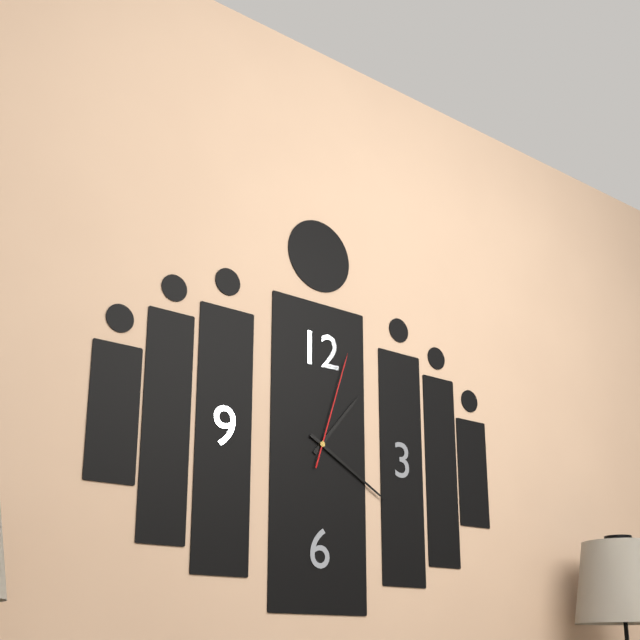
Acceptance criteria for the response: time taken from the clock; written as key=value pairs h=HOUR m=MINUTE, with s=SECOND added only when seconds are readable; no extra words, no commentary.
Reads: h=1 m=20 s=3
